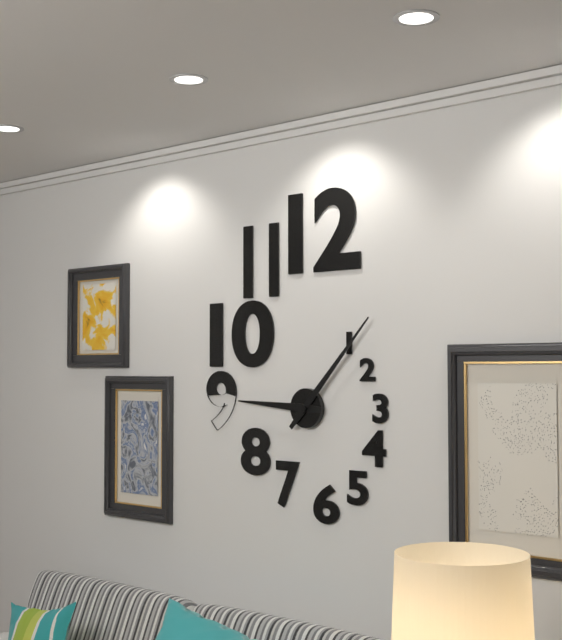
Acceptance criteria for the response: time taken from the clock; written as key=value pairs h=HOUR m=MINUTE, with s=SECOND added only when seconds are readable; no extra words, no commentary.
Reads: h=9 m=7
